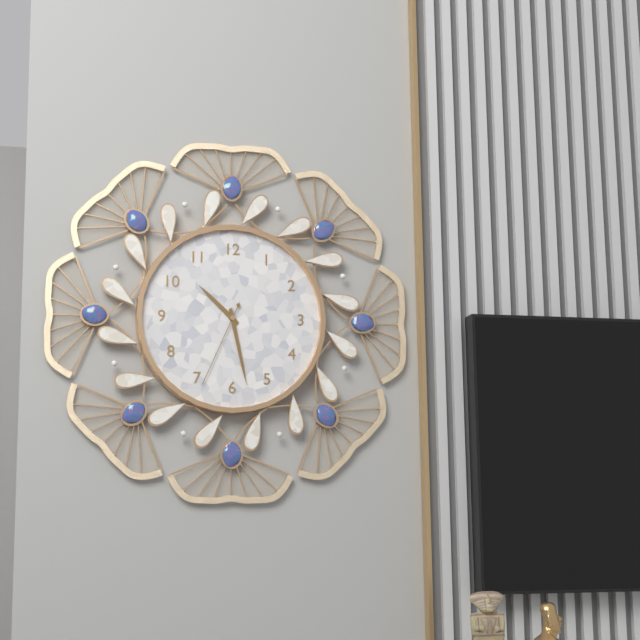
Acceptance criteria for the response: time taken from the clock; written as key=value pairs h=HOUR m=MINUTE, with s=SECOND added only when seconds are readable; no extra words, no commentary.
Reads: h=10 m=28 s=34
